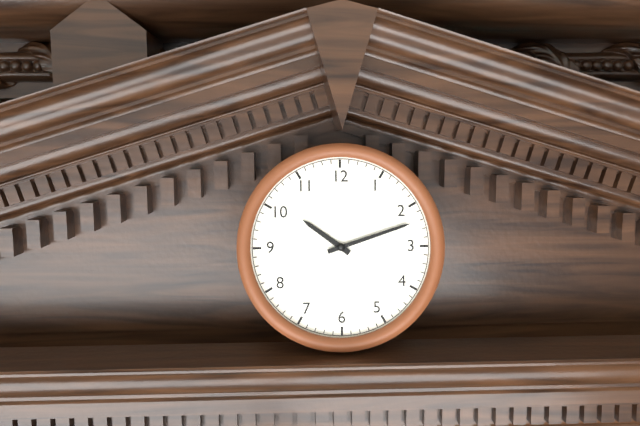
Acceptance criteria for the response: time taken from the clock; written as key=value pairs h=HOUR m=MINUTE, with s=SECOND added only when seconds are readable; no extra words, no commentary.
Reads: h=10 m=12
